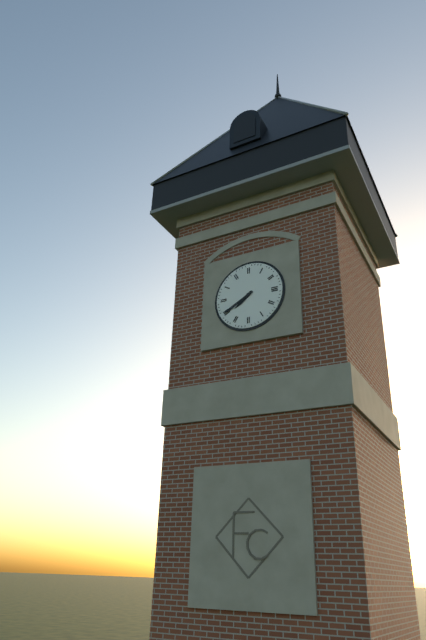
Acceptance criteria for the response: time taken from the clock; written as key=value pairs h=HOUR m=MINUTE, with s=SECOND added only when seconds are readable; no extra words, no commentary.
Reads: h=7 m=40
